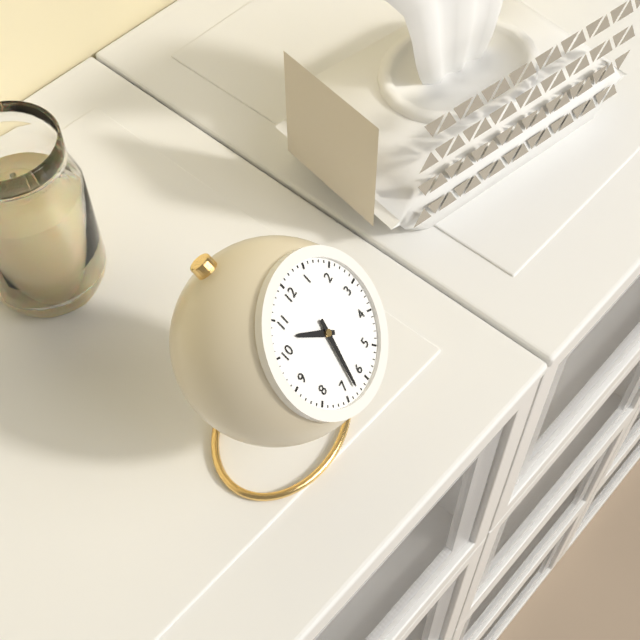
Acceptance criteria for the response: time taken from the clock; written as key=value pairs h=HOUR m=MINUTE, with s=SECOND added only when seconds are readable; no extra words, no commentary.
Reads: h=10 m=33
